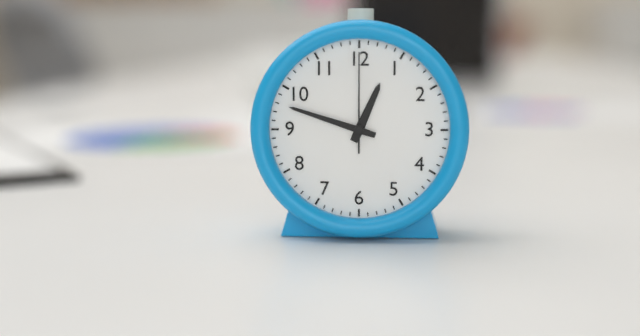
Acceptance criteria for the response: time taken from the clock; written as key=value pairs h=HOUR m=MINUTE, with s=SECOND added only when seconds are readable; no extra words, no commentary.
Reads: h=12 m=48 s=0
